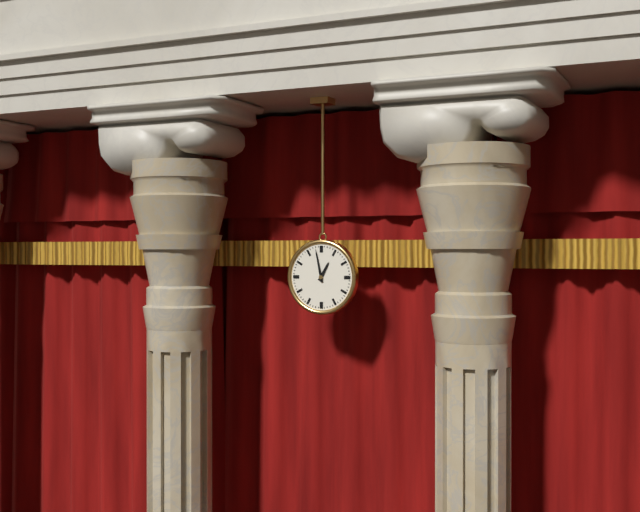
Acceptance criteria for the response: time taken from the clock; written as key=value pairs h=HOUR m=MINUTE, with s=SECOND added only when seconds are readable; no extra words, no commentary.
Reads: h=12 m=58
